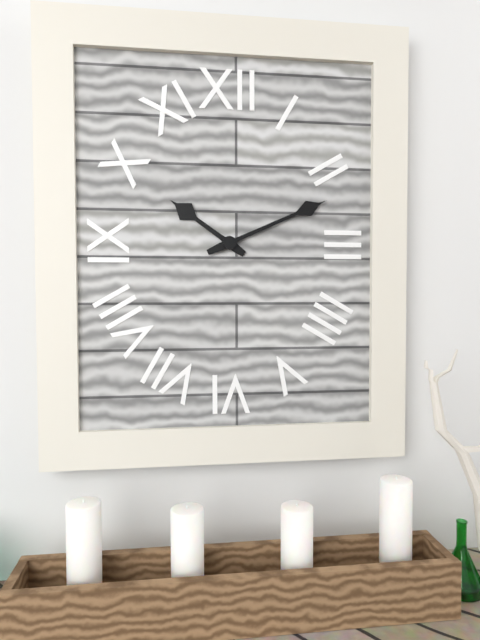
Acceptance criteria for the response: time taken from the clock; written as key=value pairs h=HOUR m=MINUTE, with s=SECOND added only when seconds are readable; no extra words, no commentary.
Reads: h=10 m=11
